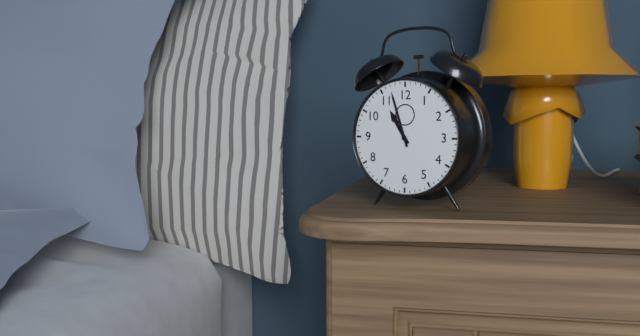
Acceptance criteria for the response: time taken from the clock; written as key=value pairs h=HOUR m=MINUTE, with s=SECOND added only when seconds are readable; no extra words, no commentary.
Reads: h=10 m=57
